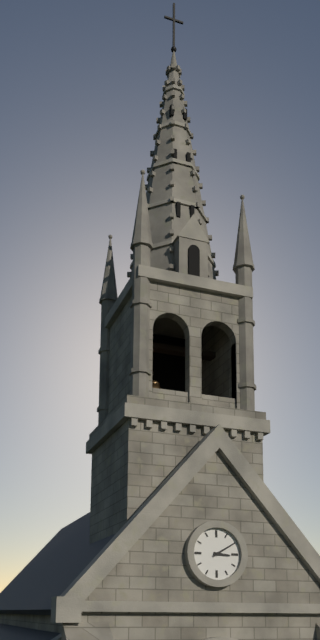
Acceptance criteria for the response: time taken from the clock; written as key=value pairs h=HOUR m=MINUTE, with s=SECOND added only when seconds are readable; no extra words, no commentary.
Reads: h=3 m=10
